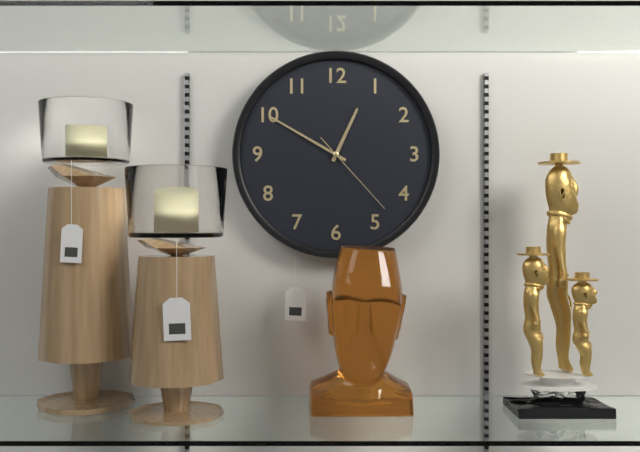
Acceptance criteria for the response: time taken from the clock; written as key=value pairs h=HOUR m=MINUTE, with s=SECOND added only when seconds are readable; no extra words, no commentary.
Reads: h=12 m=50 s=23
